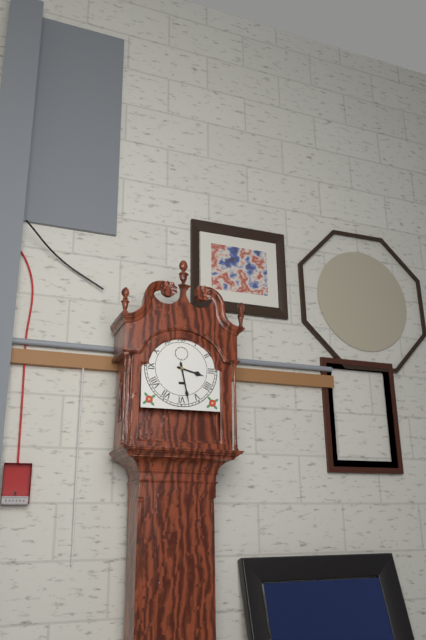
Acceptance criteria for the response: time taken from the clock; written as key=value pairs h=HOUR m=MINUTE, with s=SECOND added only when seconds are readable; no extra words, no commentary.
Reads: h=3 m=28
